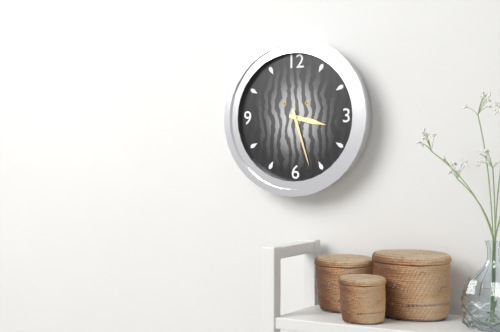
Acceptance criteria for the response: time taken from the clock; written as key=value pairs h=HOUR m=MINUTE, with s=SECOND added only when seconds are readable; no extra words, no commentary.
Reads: h=3 m=27
